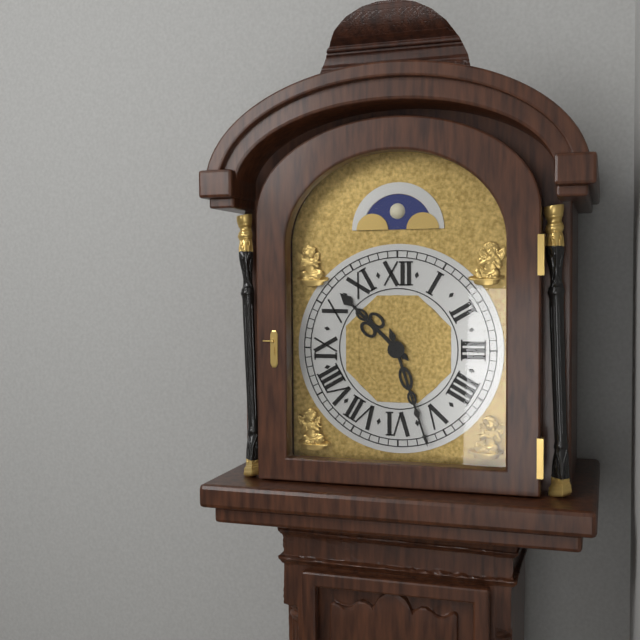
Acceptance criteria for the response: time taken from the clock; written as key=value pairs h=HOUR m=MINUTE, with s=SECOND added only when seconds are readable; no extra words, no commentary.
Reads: h=10 m=27
